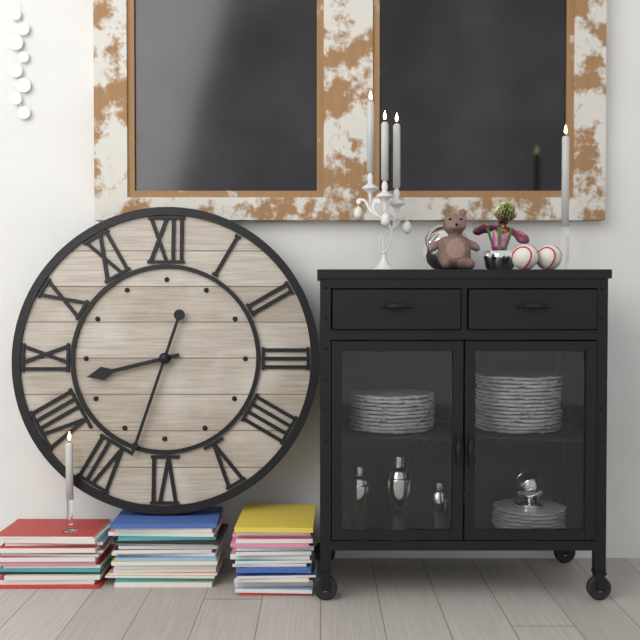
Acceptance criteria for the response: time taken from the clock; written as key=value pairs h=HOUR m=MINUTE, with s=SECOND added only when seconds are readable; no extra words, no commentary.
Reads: h=8 m=33
